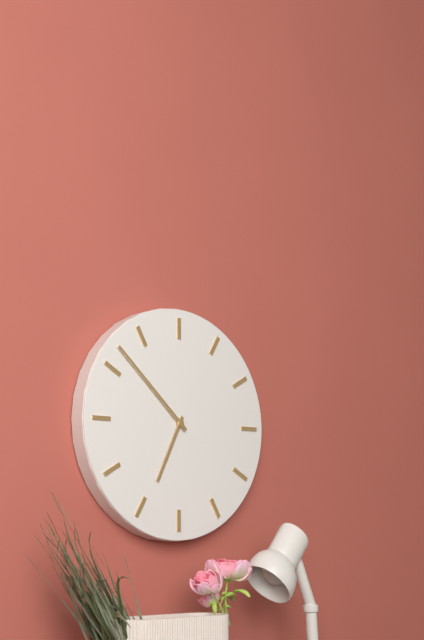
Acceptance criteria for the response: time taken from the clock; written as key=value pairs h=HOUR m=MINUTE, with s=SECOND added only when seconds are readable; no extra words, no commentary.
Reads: h=6 m=52
